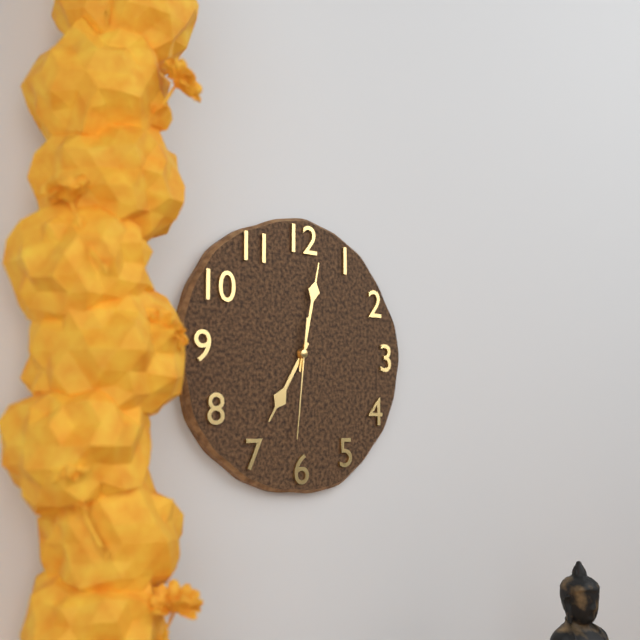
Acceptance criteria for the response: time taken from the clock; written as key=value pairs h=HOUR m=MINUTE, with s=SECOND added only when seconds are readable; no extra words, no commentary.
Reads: h=7 m=2 s=31
